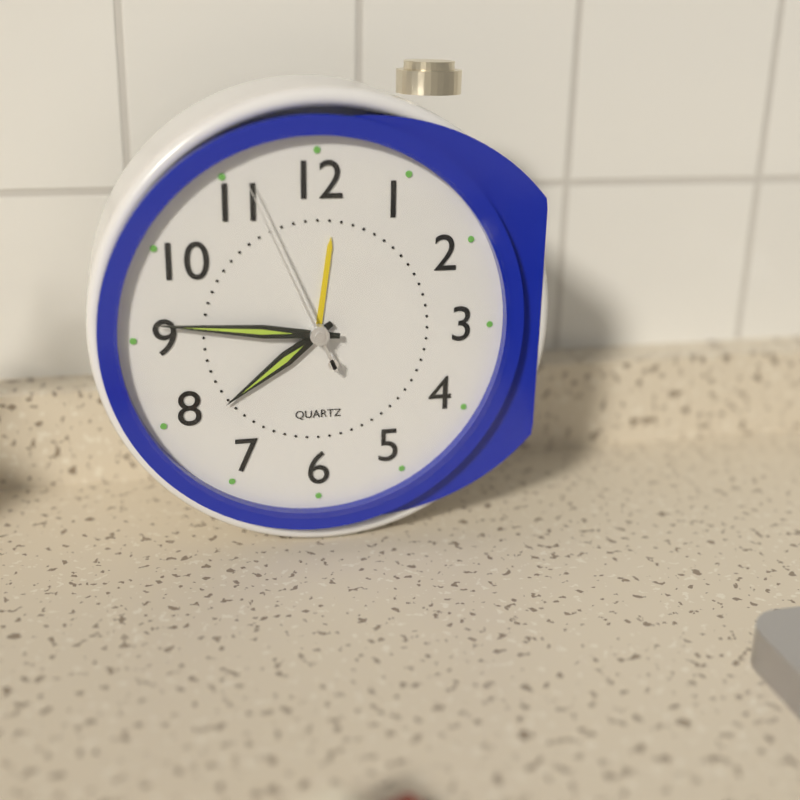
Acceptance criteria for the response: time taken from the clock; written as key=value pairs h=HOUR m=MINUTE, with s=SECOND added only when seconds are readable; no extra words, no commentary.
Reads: h=7 m=46 s=56
